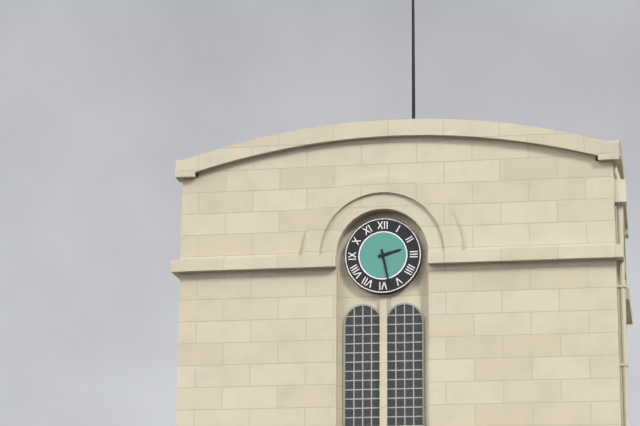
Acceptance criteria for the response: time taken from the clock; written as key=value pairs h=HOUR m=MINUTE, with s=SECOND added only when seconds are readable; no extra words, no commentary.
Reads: h=2 m=28
